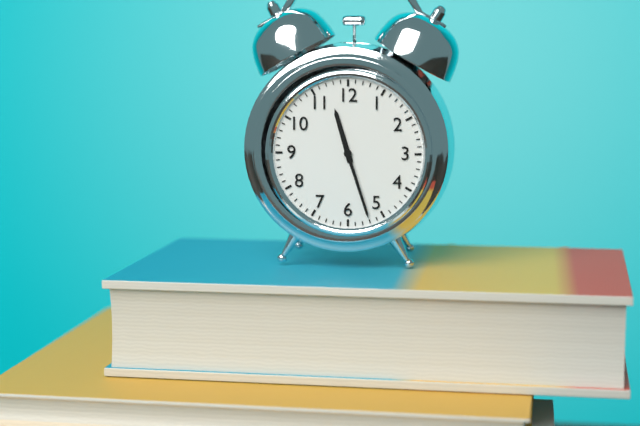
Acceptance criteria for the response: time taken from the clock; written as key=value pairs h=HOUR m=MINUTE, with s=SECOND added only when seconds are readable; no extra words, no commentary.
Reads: h=11 m=27
